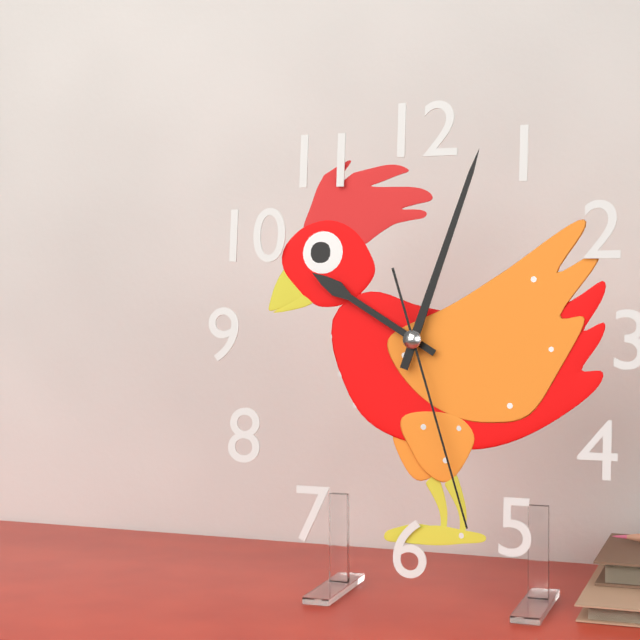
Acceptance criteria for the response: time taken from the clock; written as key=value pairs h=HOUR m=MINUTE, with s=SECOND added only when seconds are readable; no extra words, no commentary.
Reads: h=10 m=3 s=27
